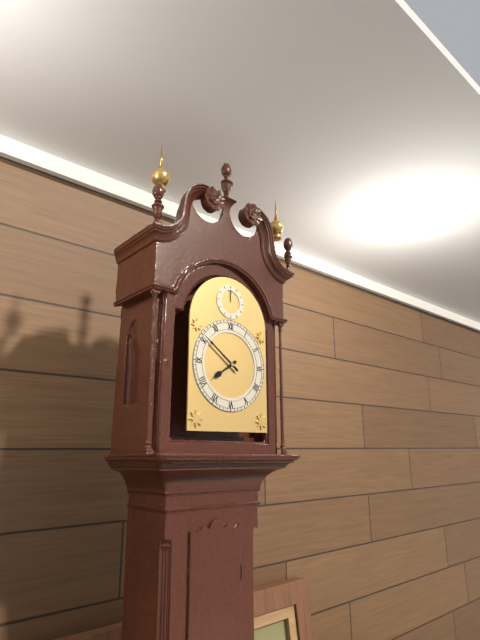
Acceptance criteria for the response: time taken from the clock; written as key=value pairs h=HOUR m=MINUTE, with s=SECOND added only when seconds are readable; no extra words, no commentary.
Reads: h=7 m=51
